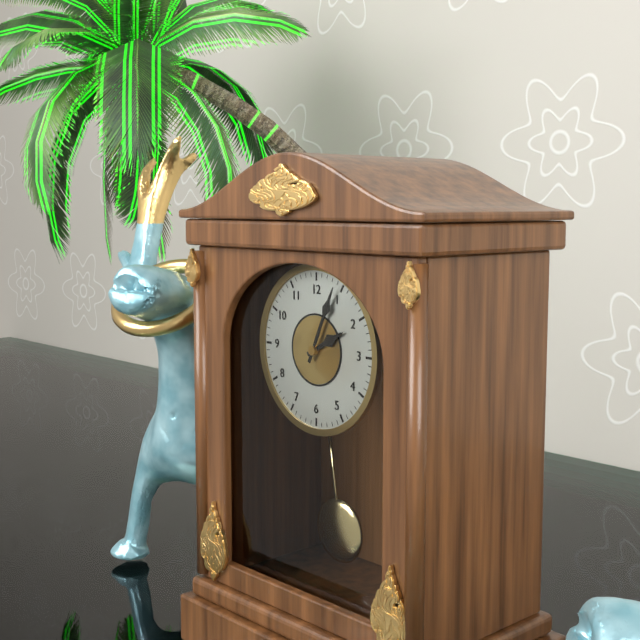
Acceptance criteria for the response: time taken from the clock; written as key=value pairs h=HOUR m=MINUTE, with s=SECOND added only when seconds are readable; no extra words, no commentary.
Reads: h=2 m=4
